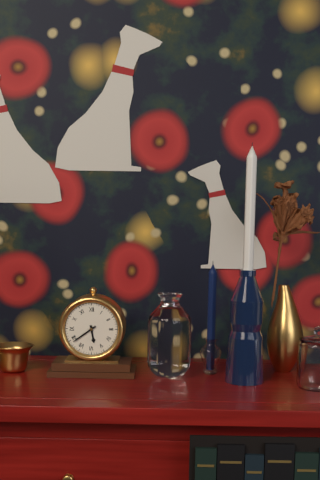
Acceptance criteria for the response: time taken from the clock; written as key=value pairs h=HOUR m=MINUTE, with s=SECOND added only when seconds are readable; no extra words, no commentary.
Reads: h=5 m=39
